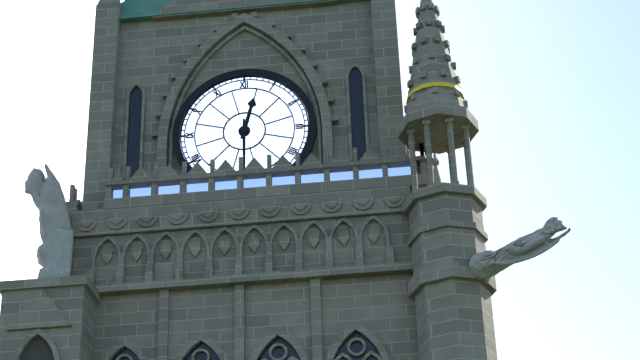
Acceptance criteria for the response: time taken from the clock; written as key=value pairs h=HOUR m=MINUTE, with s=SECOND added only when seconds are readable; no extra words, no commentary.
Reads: h=12 m=30
